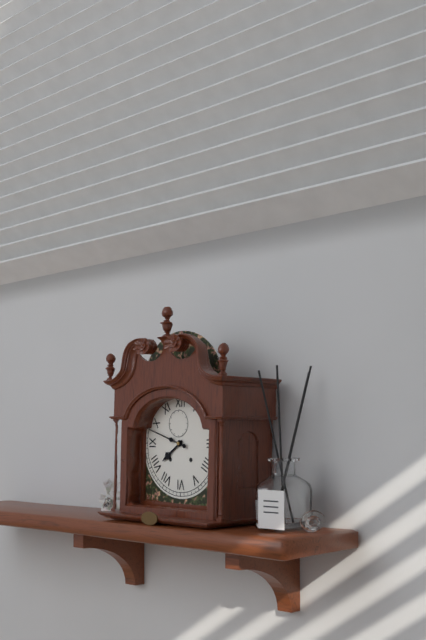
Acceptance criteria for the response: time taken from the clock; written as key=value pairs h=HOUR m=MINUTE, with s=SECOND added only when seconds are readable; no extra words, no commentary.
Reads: h=7 m=48
